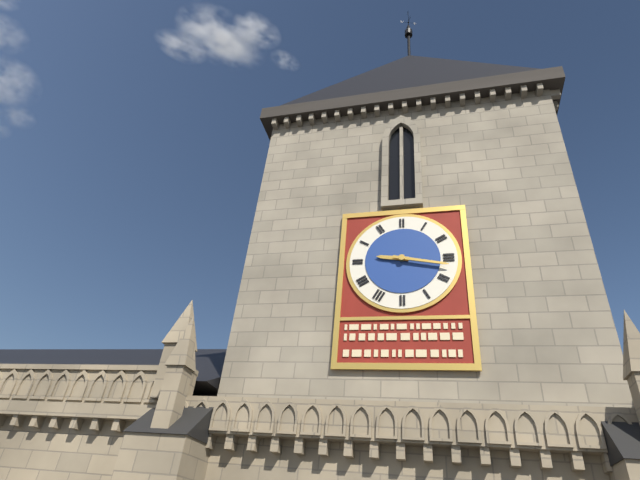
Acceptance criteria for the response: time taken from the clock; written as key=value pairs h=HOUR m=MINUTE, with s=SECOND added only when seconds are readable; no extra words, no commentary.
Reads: h=9 m=17
